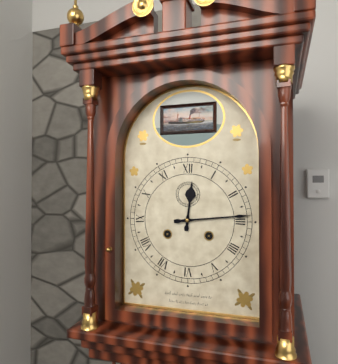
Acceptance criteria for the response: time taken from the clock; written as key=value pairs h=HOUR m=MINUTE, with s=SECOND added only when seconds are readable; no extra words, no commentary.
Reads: h=12 m=14
